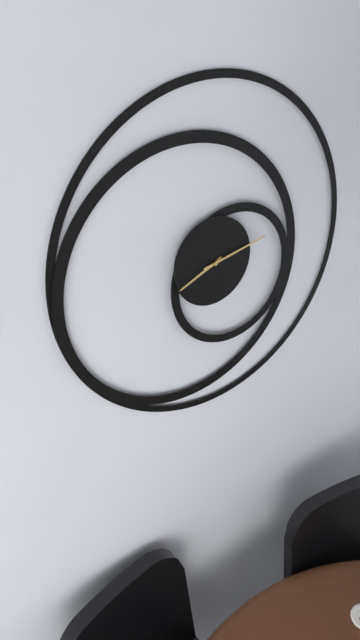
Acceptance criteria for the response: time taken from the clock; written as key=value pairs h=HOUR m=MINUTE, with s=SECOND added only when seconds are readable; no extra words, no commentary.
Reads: h=8 m=13
